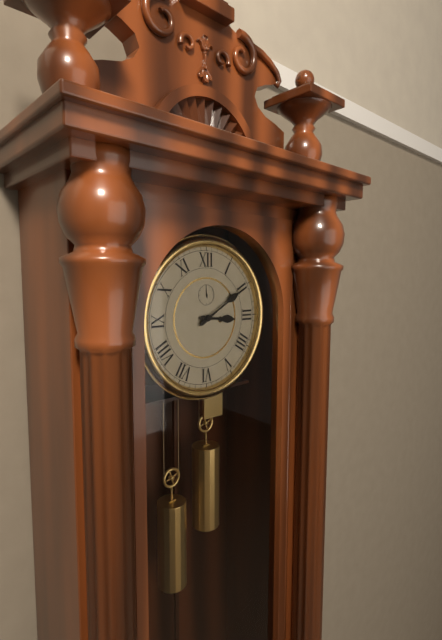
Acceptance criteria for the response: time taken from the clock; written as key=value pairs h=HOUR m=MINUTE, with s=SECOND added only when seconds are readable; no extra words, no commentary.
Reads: h=3 m=10
